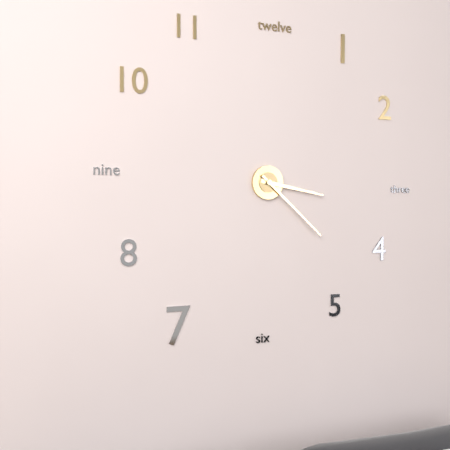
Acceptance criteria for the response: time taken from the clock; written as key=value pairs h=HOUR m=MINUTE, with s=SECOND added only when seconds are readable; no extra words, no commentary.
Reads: h=3 m=22
